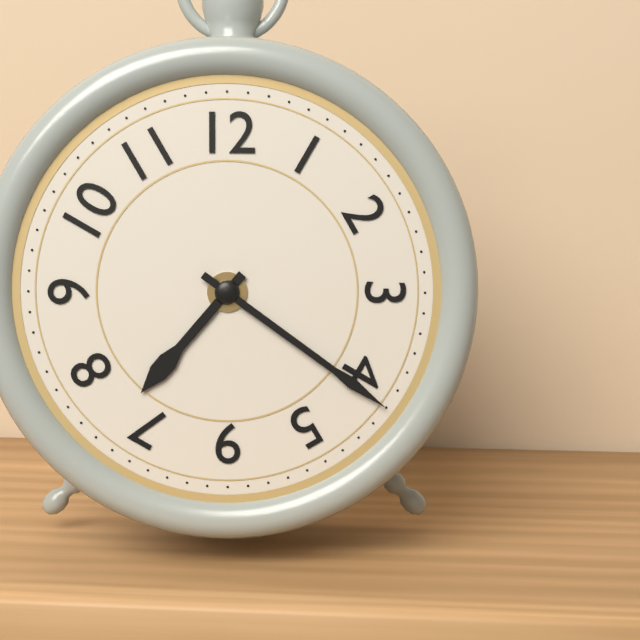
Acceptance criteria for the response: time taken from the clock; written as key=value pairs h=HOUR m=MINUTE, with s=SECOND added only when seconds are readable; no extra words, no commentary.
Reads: h=7 m=21
